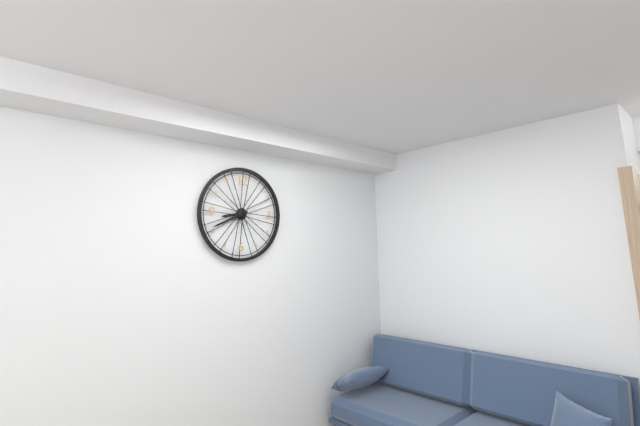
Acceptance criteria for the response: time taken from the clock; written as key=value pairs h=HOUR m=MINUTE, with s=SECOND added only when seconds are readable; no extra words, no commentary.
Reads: h=8 m=41
